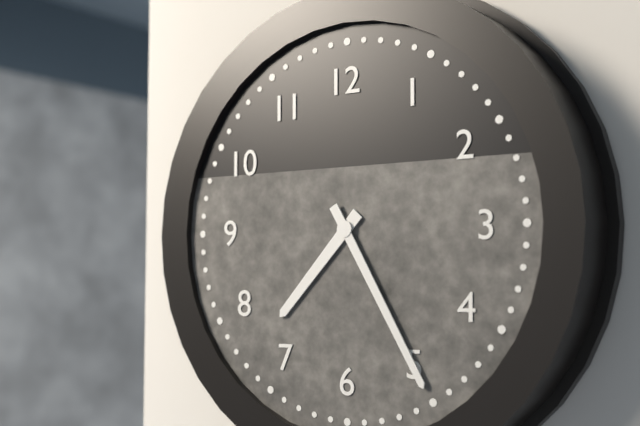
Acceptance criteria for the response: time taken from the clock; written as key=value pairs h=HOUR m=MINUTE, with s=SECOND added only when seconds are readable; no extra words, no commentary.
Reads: h=7 m=25
